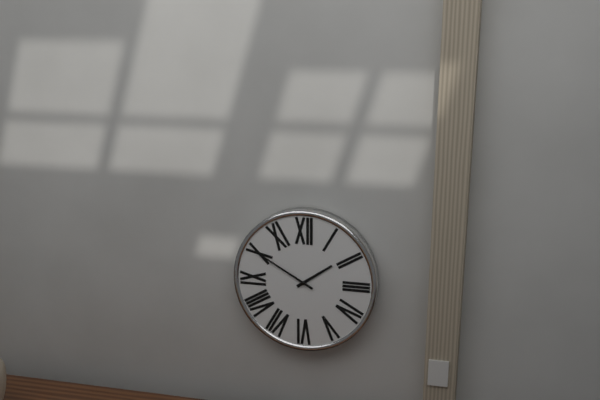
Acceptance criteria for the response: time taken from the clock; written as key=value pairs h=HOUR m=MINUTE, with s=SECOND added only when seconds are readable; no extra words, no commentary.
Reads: h=1 m=50
